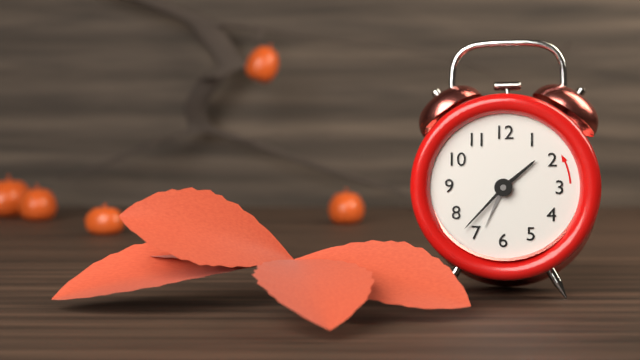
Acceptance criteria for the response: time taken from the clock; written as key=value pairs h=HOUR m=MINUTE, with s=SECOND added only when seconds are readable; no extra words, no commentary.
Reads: h=1 m=37 s=34
